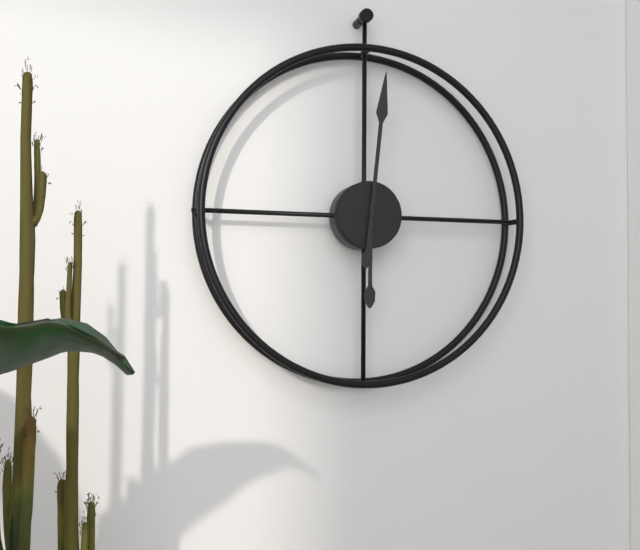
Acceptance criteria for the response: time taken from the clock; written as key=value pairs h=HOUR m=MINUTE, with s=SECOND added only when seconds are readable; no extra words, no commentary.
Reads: h=6 m=1
